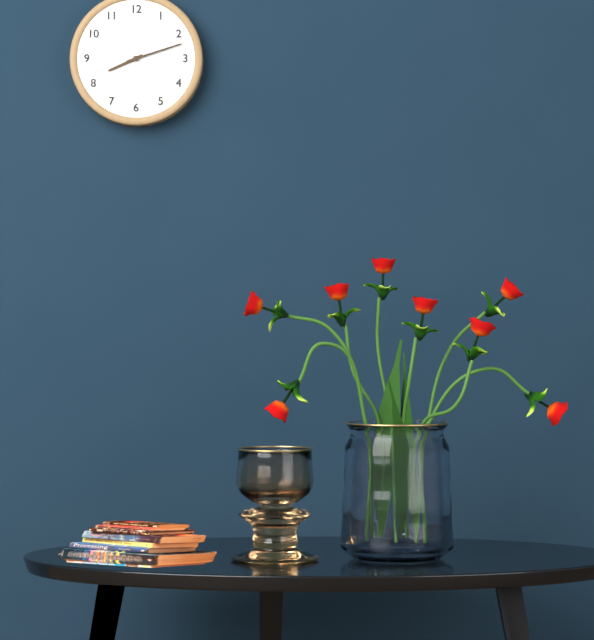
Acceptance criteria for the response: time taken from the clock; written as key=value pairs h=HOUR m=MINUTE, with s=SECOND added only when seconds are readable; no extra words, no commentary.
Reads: h=8 m=12
